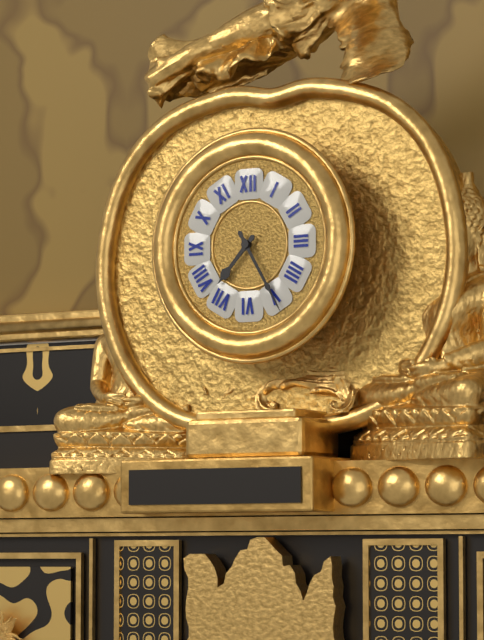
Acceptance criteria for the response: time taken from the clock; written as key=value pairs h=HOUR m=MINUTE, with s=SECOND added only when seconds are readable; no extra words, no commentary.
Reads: h=7 m=25
